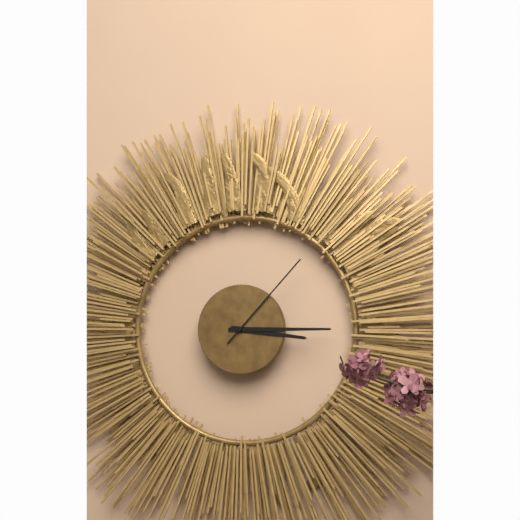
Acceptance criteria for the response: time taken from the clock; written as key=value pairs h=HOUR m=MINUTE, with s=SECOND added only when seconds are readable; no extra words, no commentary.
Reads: h=3 m=15 s=7
